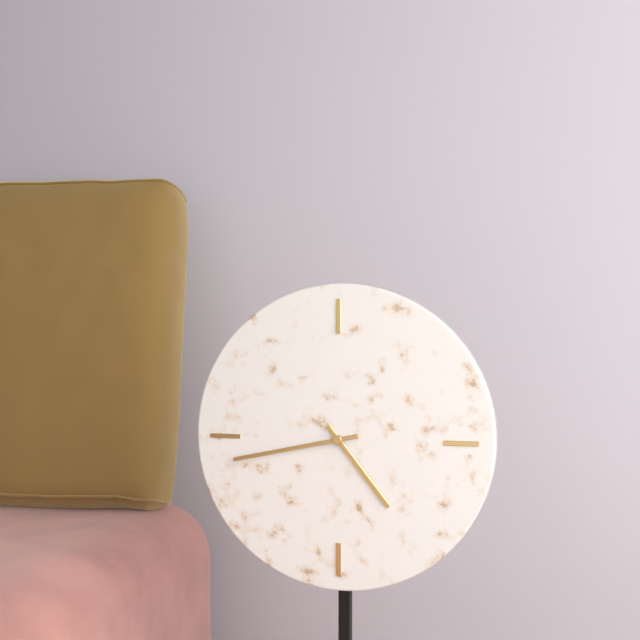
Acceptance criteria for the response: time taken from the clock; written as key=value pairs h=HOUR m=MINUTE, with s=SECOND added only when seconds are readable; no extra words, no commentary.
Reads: h=4 m=43
